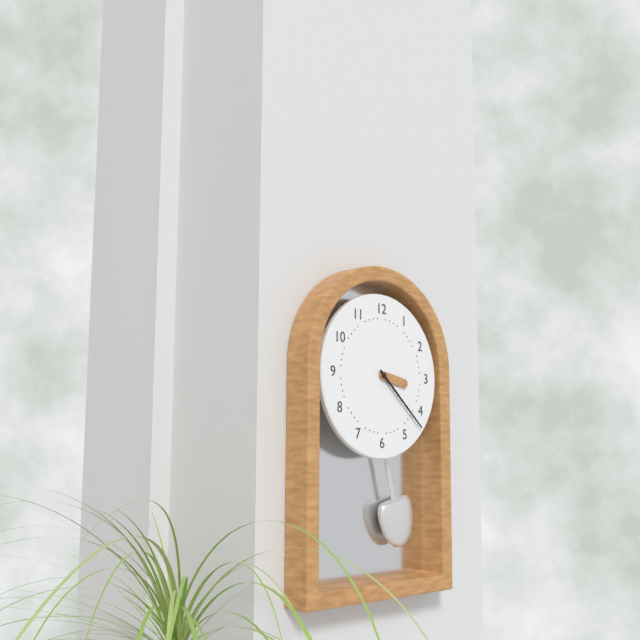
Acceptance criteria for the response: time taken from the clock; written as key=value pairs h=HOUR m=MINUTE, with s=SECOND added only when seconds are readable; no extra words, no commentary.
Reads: h=3 m=22
